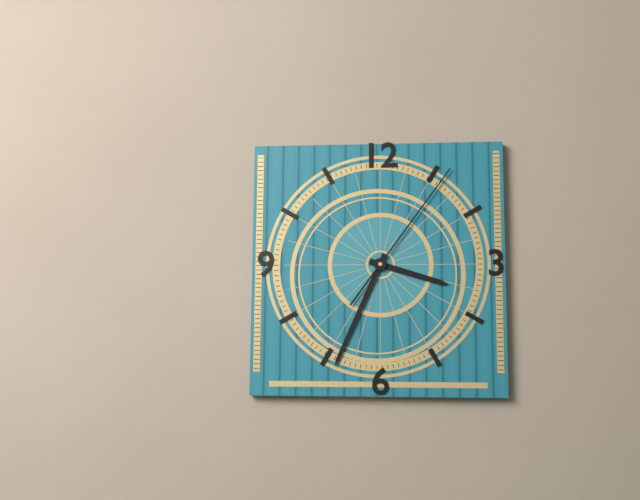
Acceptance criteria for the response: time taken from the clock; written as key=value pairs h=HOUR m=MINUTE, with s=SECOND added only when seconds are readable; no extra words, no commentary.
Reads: h=3 m=34 s=6
